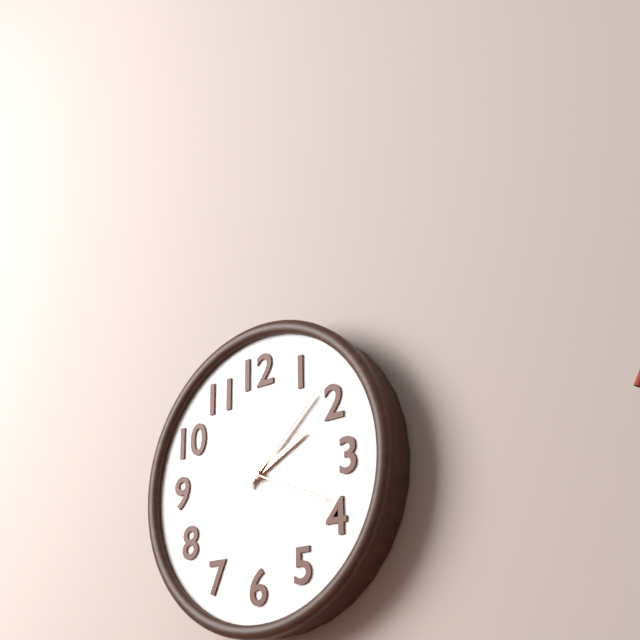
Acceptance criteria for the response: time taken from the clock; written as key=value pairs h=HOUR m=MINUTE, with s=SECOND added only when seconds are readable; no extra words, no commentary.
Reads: h=2 m=8 s=19
